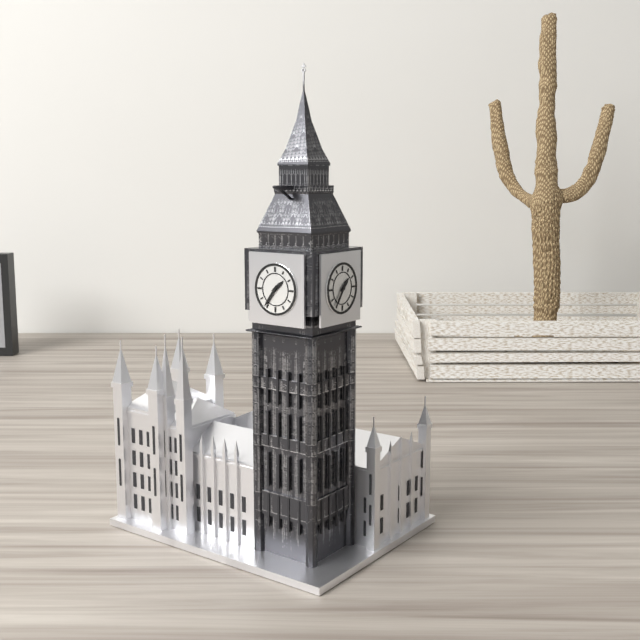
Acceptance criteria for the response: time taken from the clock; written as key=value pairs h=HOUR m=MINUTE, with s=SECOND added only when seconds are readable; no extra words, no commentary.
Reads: h=1 m=36
